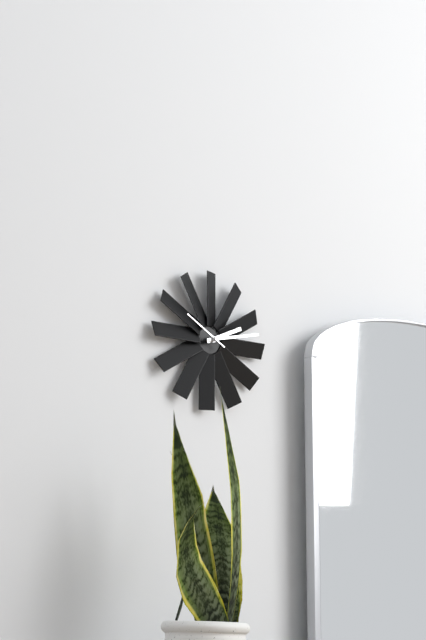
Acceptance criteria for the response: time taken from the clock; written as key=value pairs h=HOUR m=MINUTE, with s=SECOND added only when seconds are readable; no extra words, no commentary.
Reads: h=2 m=13
